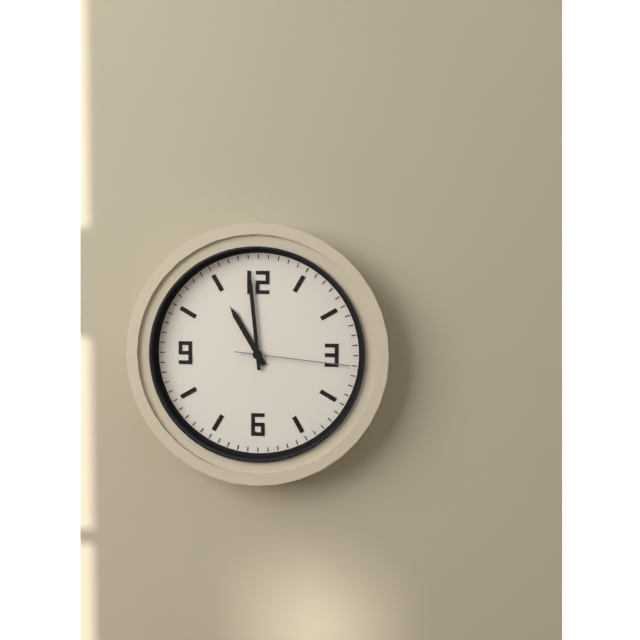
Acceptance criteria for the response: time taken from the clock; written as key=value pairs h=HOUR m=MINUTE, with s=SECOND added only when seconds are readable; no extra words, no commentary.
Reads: h=10 m=59 s=16
